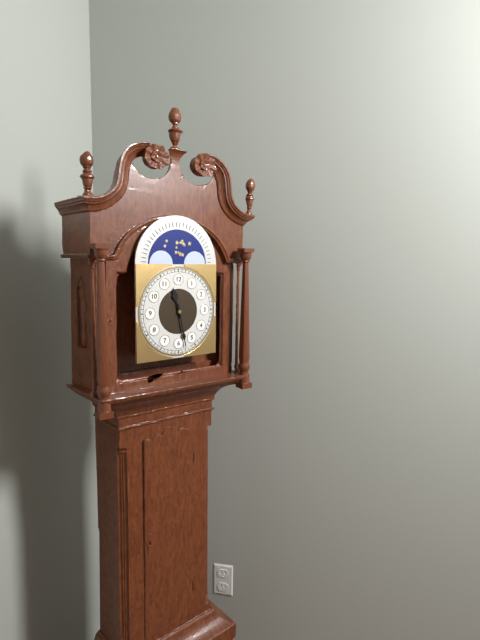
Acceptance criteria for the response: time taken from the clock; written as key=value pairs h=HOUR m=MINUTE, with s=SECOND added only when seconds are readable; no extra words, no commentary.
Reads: h=11 m=28
